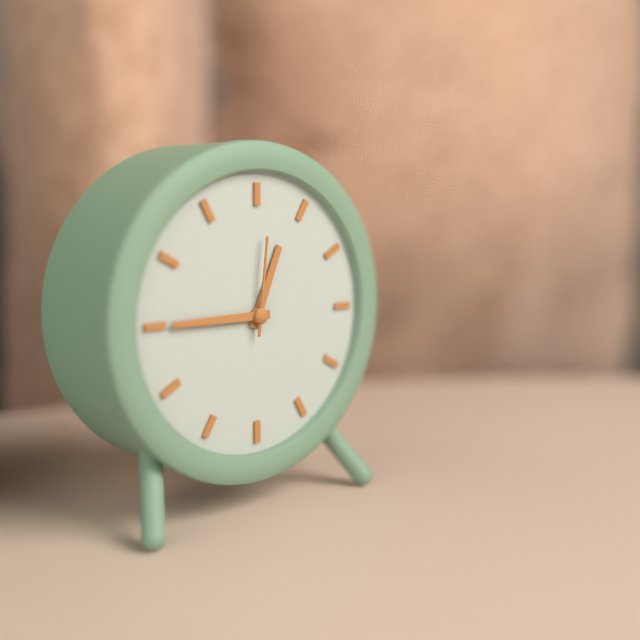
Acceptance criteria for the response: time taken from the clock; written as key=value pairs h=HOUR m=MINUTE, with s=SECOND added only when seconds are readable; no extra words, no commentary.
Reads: h=12 m=45 s=1
